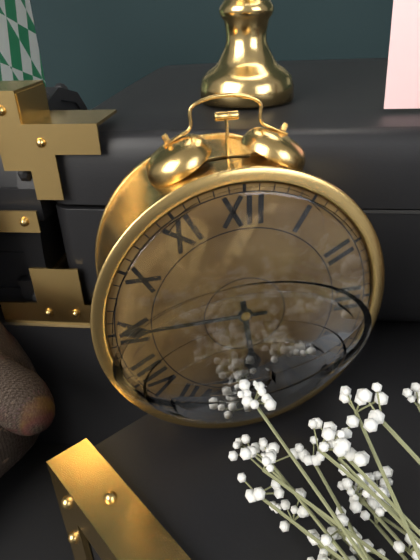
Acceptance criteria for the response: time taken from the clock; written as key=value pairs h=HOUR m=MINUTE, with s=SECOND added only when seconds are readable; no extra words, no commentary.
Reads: h=5 m=45
